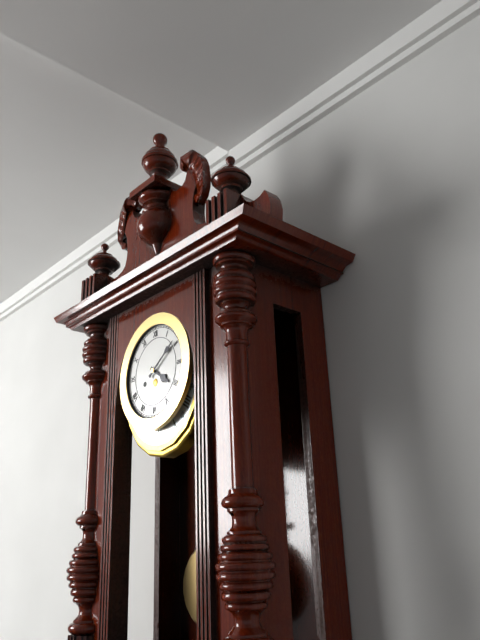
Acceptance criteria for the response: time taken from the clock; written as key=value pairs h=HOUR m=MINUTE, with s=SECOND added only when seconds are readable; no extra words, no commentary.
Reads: h=4 m=9
